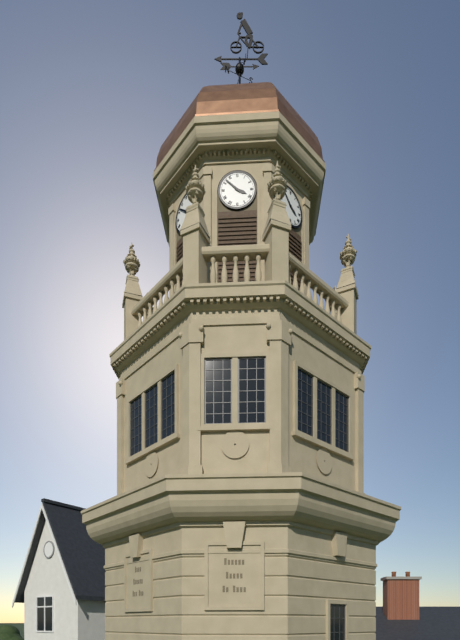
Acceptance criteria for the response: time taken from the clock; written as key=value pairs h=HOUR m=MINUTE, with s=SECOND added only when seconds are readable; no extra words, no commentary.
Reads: h=3 m=52
